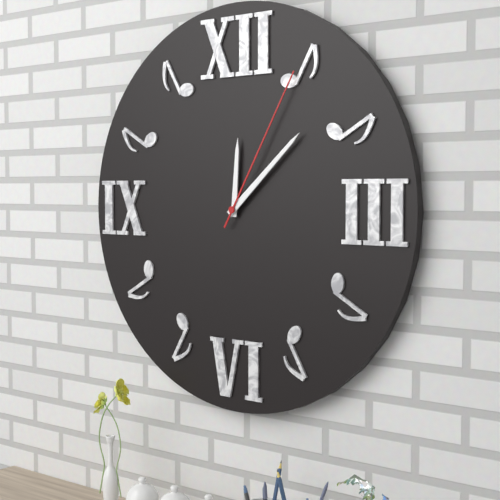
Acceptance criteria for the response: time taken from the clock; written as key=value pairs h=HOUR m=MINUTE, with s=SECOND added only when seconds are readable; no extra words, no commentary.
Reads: h=12 m=8 s=5
